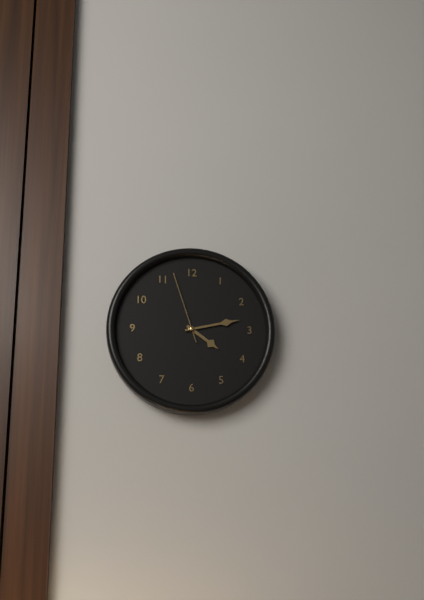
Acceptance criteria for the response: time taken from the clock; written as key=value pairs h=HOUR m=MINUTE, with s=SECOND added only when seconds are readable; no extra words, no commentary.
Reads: h=4 m=13 s=57
